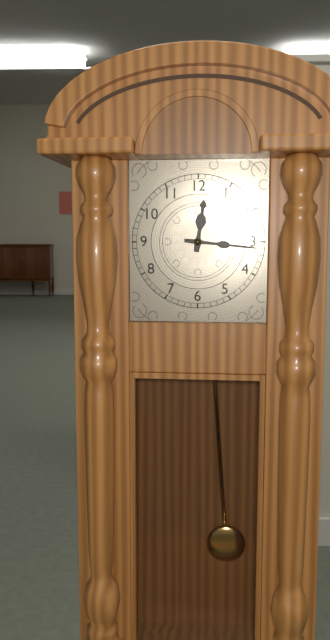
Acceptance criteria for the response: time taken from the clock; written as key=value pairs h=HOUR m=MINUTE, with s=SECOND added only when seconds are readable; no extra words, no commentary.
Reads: h=12 m=16
